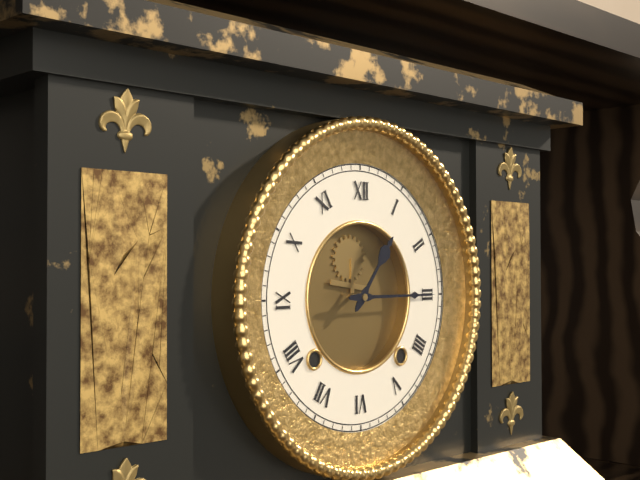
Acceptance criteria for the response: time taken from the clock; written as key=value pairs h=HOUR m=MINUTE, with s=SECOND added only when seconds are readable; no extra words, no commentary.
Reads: h=1 m=15
